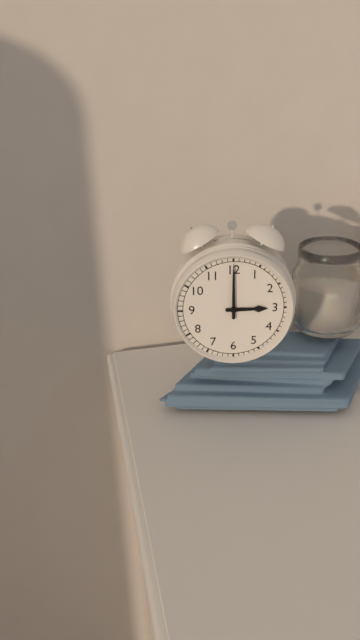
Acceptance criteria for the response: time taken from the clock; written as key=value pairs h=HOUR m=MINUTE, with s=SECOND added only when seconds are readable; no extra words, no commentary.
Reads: h=3 m=0
